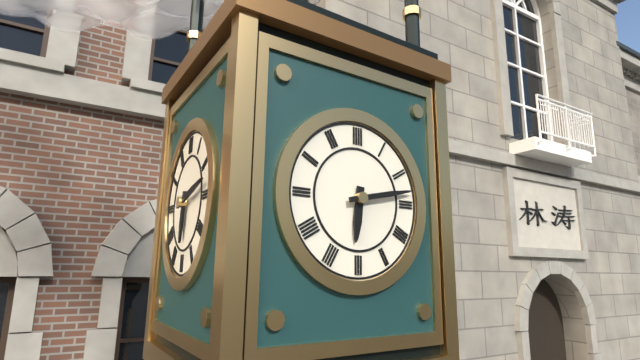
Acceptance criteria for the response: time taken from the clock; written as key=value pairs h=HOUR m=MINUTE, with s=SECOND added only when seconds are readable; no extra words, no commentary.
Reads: h=6 m=13
